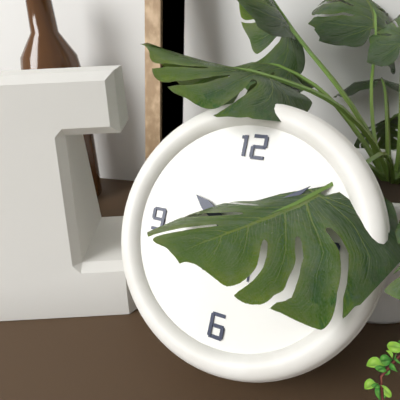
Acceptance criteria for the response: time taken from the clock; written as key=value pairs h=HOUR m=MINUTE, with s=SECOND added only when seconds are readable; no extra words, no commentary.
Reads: h=10 m=8
